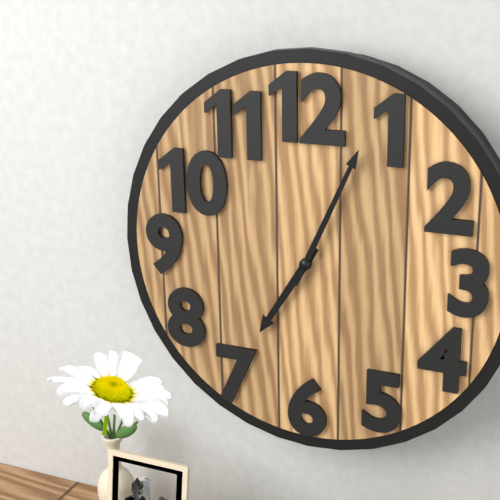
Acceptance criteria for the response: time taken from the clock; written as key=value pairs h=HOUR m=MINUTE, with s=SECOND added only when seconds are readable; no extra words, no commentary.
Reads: h=7 m=4
